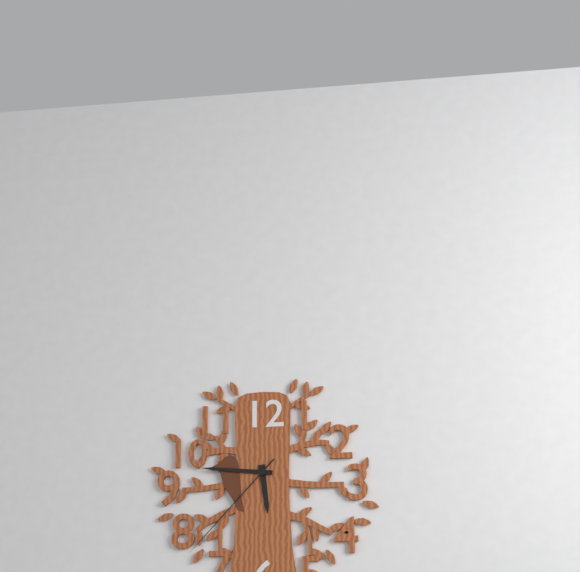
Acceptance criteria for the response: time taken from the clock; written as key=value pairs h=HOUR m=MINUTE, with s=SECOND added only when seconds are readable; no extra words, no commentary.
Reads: h=5 m=46 s=37
